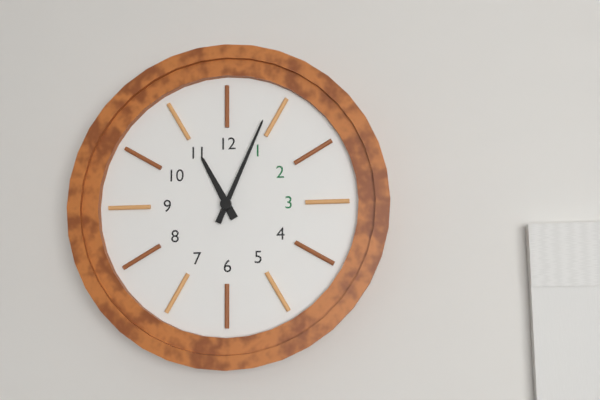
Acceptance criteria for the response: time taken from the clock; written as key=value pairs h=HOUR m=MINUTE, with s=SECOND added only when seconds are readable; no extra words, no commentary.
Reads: h=11 m=4
